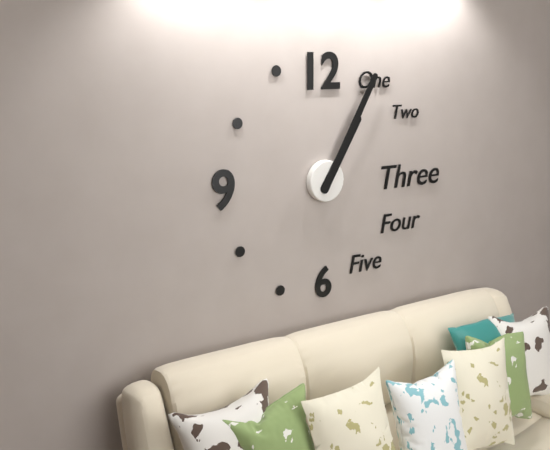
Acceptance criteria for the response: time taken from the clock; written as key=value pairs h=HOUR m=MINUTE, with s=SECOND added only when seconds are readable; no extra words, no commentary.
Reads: h=1 m=5
